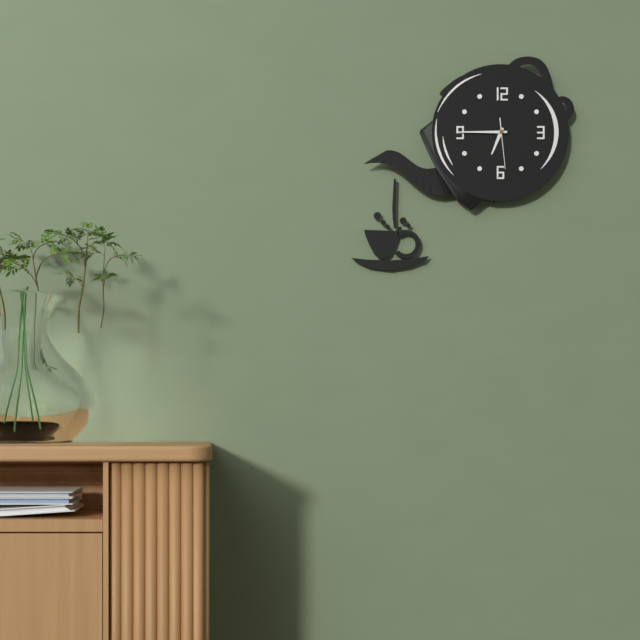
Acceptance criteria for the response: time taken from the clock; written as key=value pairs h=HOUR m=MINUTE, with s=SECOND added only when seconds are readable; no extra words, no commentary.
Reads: h=6 m=45
